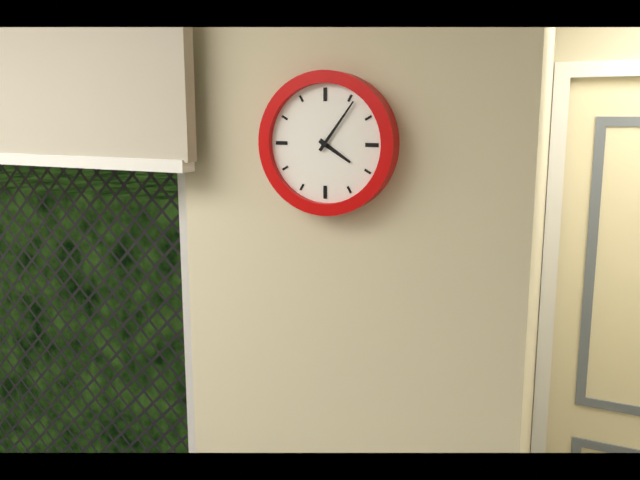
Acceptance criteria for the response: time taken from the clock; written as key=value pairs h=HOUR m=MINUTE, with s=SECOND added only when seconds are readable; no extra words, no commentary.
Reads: h=4 m=6
